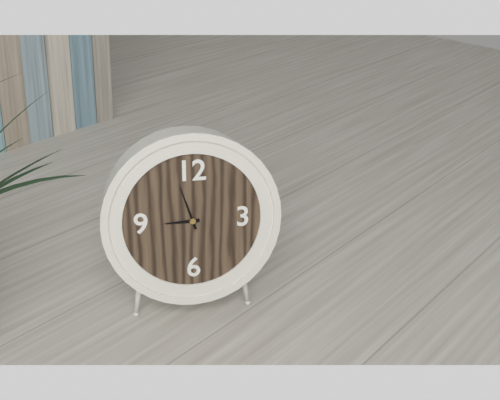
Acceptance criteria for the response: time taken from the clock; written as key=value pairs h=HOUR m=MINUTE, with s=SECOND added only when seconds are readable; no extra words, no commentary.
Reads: h=8 m=57
